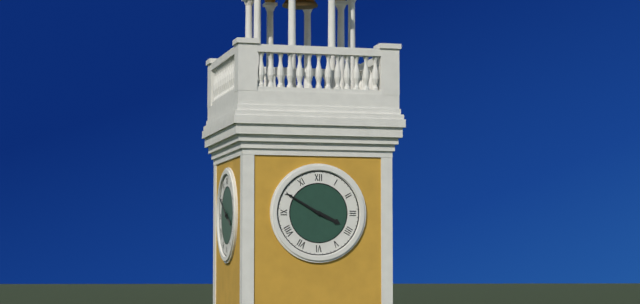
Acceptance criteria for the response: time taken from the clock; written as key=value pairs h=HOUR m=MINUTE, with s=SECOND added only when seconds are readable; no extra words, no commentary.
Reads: h=3 m=50
